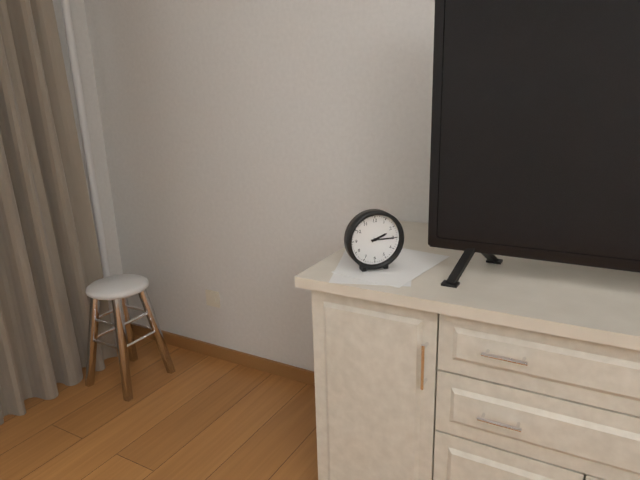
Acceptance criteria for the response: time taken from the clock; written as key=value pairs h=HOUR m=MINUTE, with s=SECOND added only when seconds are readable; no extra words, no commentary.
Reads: h=2 m=15
